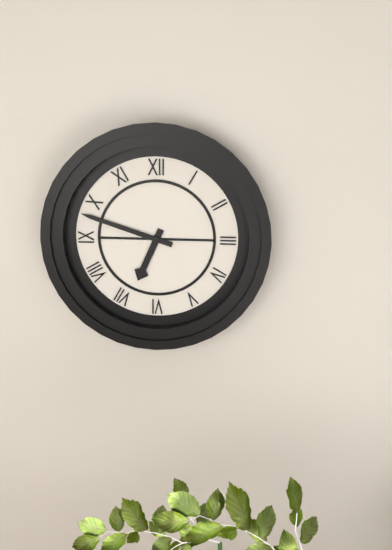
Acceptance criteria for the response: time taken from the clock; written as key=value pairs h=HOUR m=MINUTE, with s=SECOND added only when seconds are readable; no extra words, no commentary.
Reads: h=6 m=48
